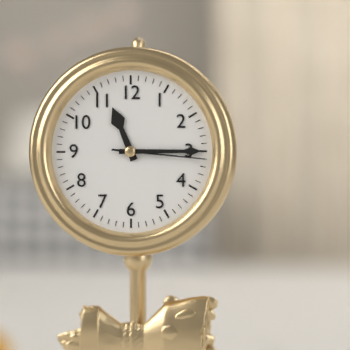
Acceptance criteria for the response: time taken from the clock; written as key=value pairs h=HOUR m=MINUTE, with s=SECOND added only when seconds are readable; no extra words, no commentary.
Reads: h=11 m=15 s=16
